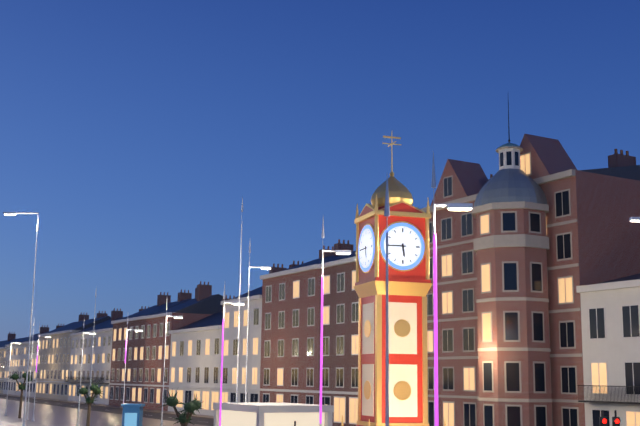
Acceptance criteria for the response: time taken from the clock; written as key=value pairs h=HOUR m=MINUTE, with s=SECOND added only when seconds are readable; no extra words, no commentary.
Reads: h=5 m=45
